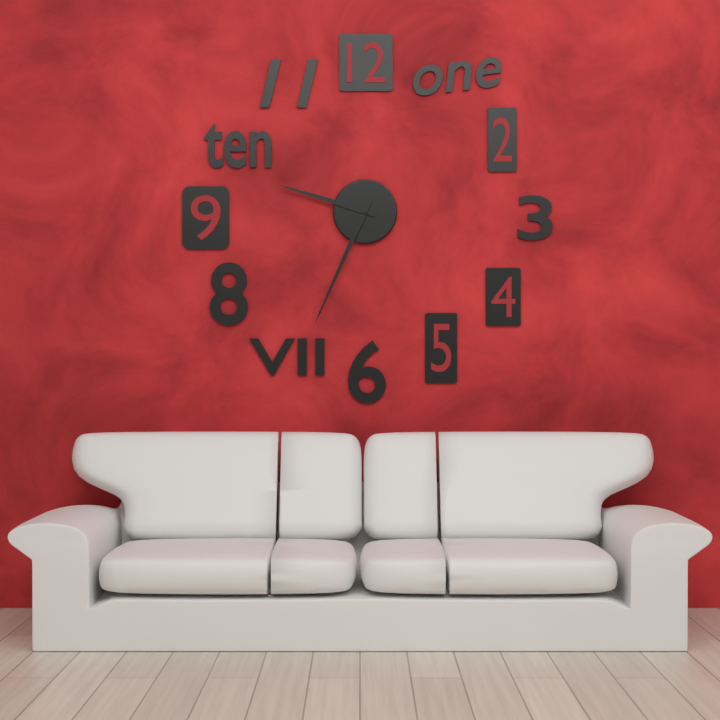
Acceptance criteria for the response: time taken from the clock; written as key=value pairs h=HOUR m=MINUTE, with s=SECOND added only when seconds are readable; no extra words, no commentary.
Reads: h=9 m=34
